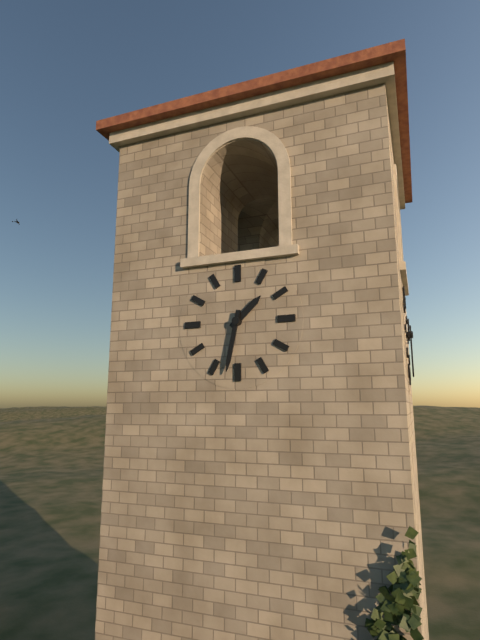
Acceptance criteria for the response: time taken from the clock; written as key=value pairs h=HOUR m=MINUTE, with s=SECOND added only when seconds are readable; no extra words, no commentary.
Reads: h=1 m=32
